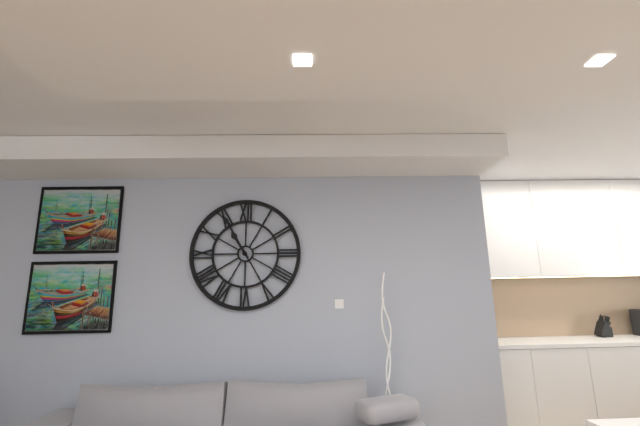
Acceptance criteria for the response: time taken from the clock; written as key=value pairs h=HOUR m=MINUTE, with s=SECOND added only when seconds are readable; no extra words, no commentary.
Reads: h=10 m=55
